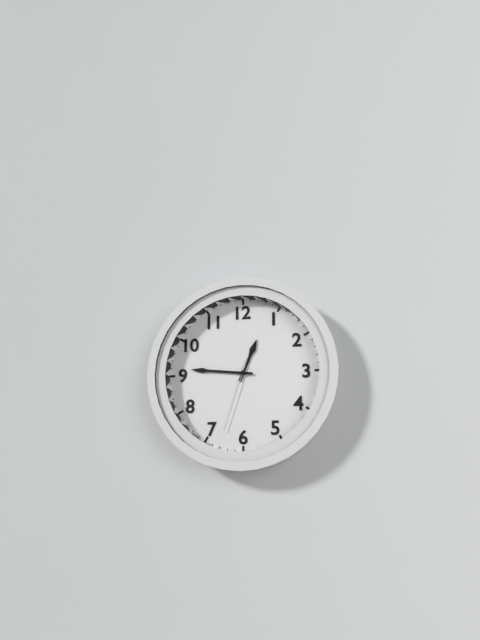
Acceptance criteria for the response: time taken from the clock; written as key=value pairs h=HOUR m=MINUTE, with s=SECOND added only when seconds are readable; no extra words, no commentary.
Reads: h=12 m=46 s=33
